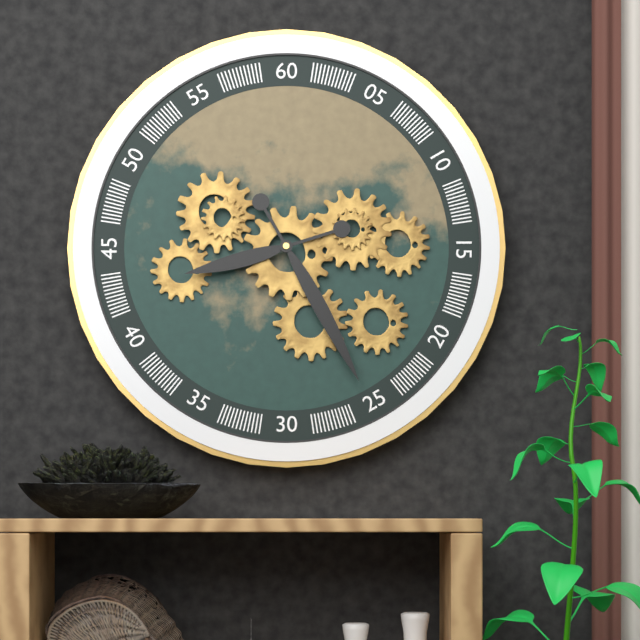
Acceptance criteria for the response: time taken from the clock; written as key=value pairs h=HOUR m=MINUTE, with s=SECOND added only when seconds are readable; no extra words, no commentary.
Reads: h=8 m=25
